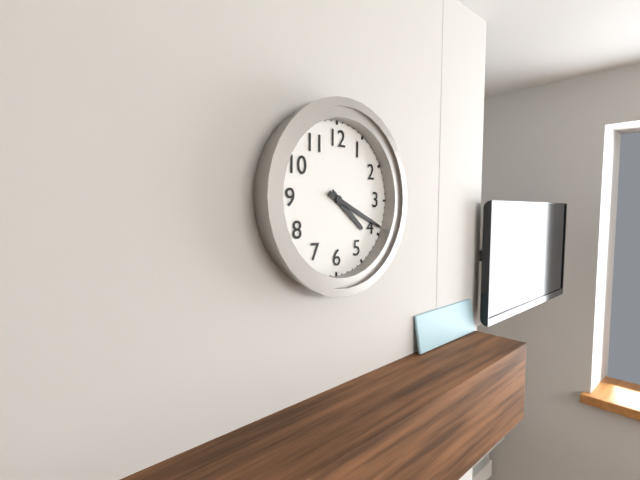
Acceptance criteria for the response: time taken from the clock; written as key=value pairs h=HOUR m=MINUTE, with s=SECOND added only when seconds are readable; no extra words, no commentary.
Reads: h=4 m=19
